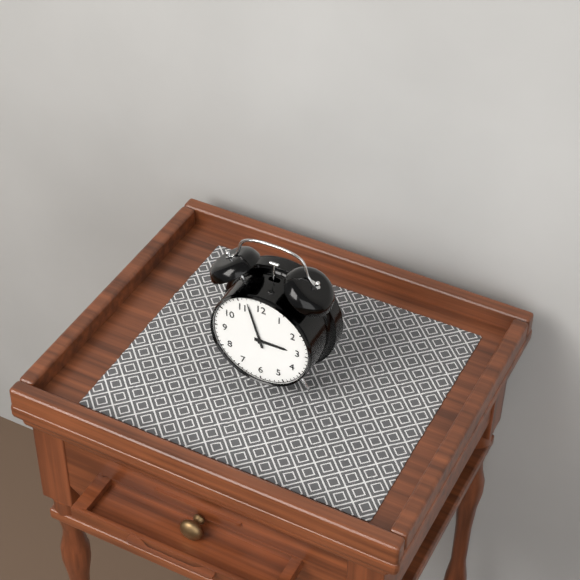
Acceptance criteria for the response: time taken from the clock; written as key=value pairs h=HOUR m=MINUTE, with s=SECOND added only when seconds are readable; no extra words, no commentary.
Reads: h=2 m=57
